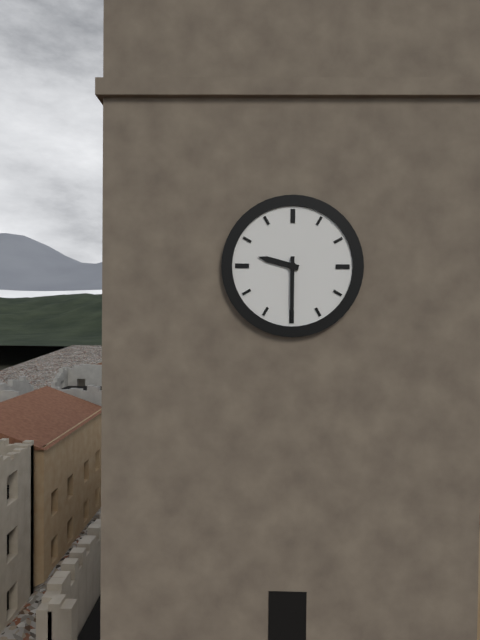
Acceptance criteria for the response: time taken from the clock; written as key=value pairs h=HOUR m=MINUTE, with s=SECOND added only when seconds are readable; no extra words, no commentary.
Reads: h=9 m=30
